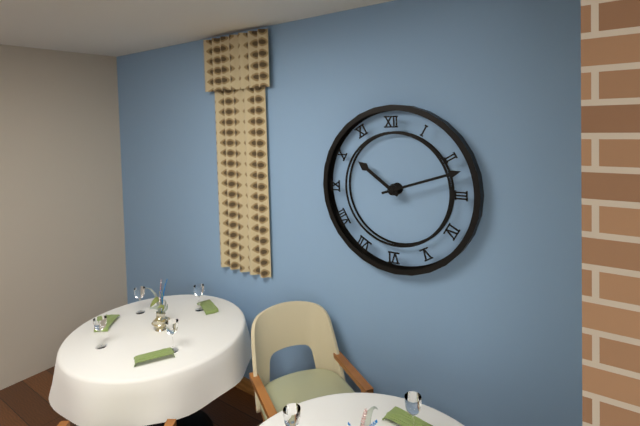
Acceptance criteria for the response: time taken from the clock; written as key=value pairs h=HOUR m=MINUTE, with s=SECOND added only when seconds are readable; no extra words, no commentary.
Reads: h=10 m=12
